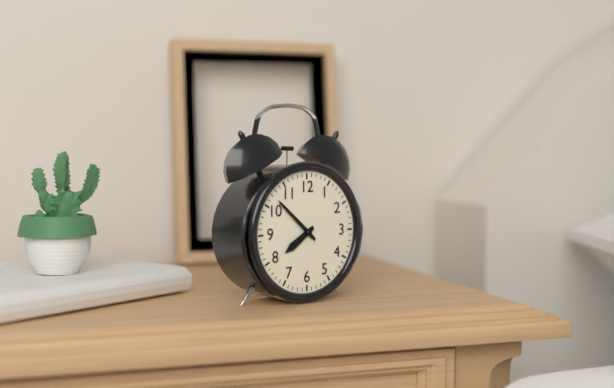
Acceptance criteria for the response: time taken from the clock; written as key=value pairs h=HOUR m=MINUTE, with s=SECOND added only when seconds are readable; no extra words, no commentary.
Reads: h=7 m=52
